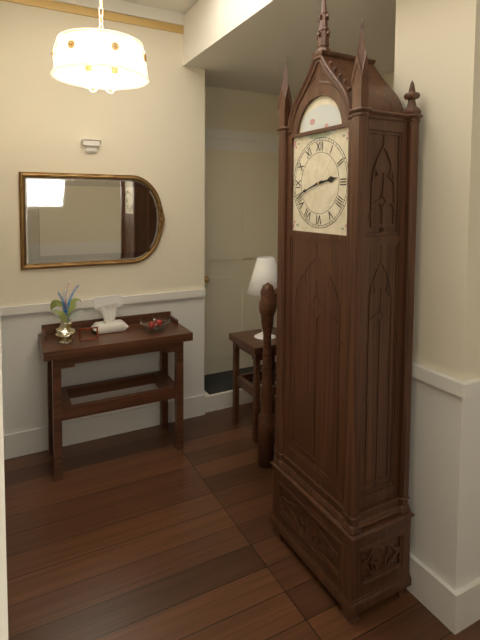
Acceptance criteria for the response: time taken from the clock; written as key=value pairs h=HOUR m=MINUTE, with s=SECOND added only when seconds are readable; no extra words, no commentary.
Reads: h=2 m=42
